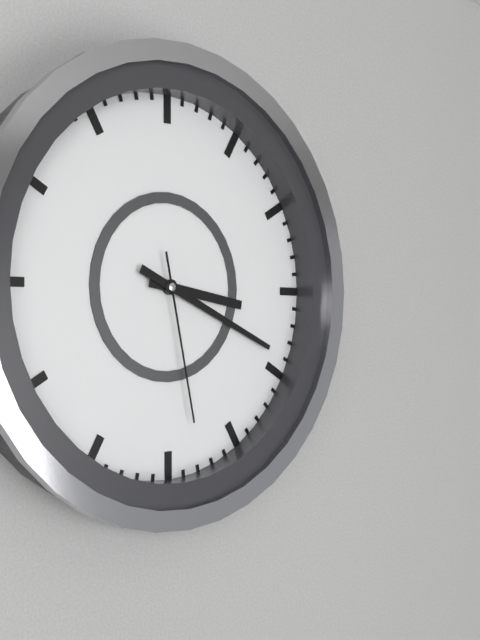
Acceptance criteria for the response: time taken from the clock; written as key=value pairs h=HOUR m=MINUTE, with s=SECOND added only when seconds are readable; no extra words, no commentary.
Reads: h=3 m=19 s=28
